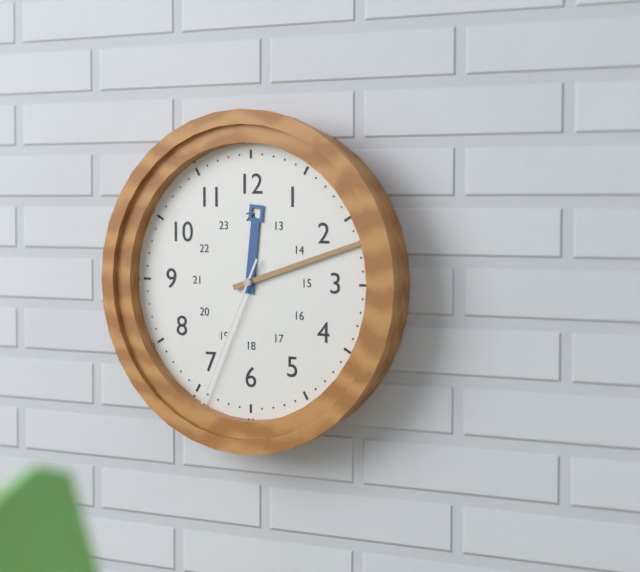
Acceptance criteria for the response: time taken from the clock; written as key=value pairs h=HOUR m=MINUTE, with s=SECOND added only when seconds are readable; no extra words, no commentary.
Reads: h=12 m=12 s=34
